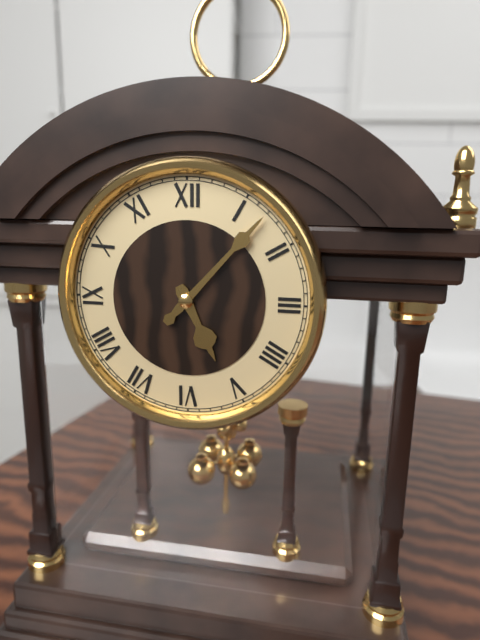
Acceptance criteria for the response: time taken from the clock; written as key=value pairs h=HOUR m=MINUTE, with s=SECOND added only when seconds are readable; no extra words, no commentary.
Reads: h=5 m=7
